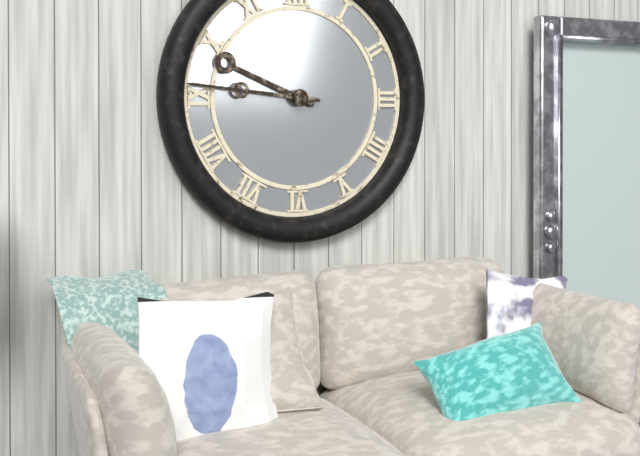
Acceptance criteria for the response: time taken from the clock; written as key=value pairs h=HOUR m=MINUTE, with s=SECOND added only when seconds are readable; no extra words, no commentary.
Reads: h=9 m=46
